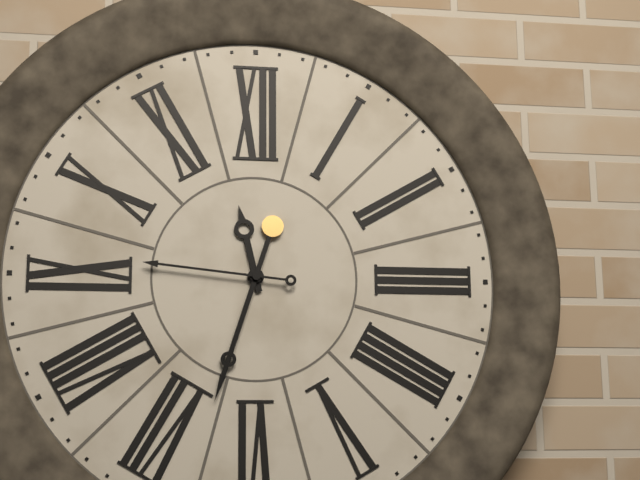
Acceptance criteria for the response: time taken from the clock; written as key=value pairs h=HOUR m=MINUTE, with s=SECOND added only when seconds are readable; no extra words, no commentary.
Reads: h=11 m=33 s=46
